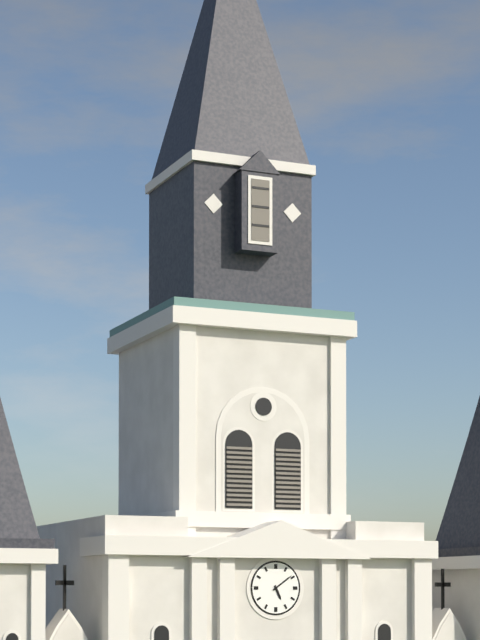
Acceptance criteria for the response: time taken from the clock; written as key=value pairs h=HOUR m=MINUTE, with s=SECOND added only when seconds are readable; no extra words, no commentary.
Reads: h=5 m=9
